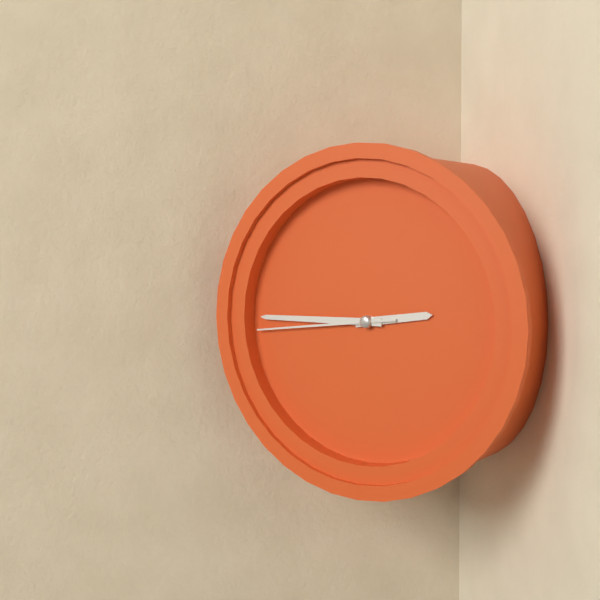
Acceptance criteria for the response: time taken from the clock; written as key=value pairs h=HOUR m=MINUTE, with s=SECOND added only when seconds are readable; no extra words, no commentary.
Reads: h=2 m=45 s=44
